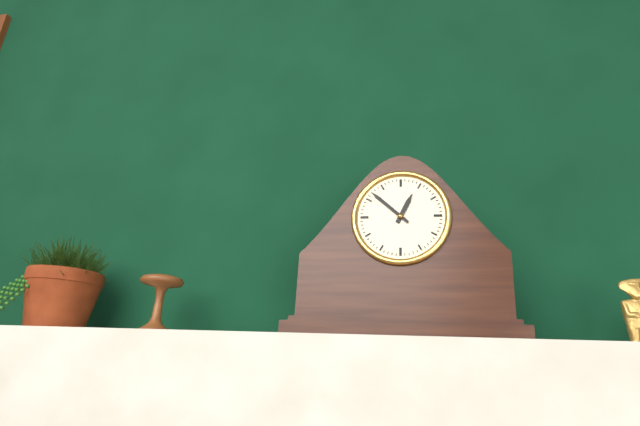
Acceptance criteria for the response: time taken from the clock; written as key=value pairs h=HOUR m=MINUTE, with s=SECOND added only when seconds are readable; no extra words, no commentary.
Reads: h=12 m=52
